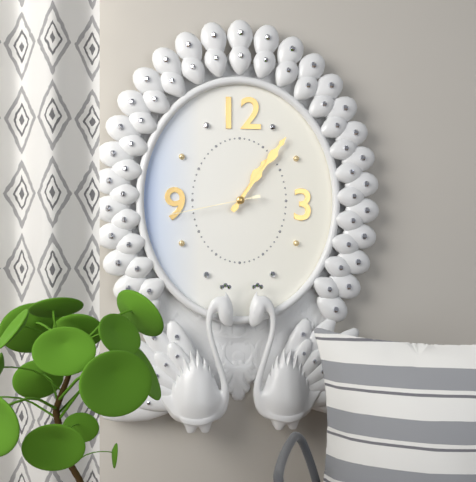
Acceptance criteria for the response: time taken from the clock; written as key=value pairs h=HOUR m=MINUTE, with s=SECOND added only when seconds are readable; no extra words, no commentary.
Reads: h=1 m=6 s=43
